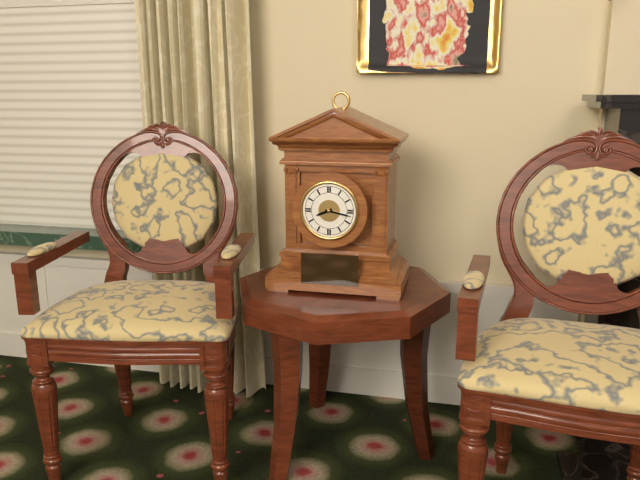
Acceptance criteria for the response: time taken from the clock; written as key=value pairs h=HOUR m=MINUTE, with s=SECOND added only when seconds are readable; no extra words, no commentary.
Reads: h=8 m=17
